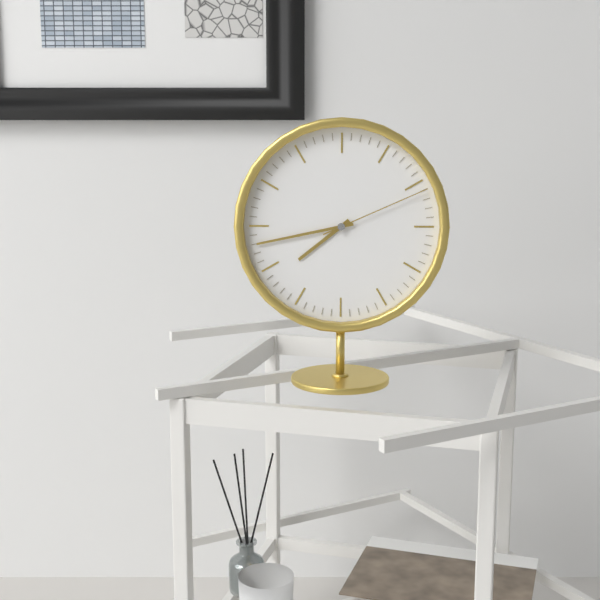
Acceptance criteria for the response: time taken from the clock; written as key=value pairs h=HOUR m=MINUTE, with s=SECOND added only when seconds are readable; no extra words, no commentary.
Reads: h=7 m=43 s=11
